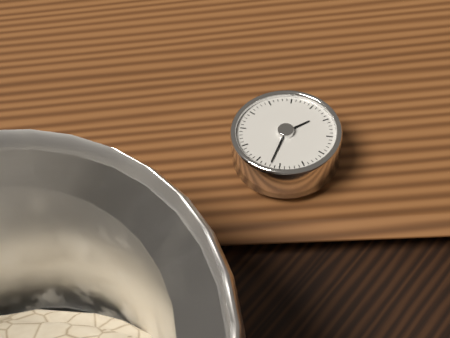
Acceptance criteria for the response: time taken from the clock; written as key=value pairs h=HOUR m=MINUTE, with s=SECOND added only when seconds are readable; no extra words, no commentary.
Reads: h=3 m=42
